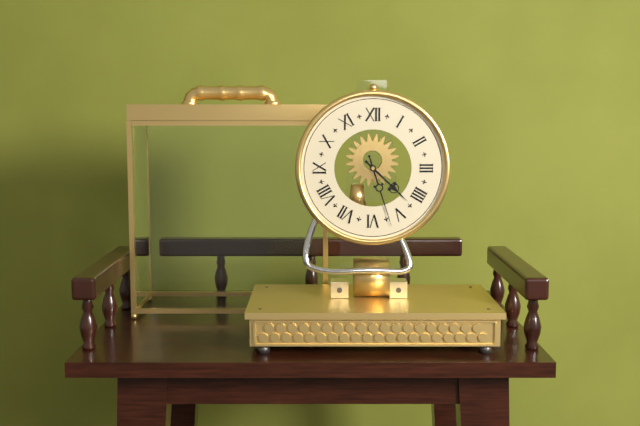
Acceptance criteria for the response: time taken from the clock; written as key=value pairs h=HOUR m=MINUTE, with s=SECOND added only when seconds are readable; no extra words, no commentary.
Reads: h=4 m=27
